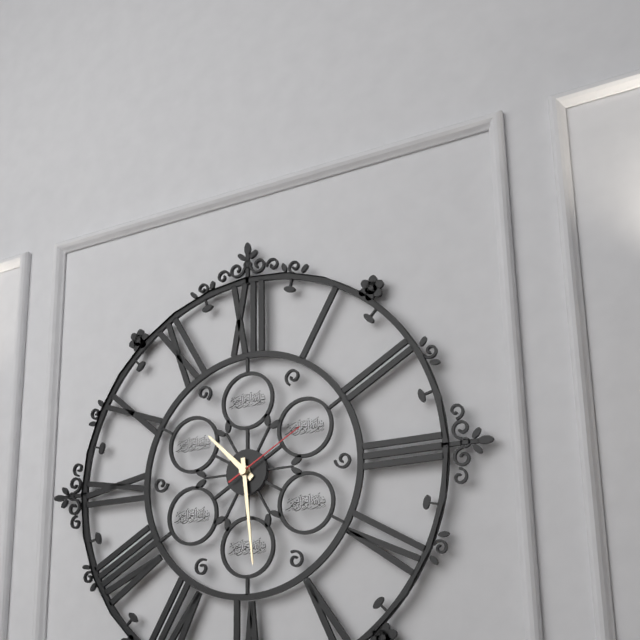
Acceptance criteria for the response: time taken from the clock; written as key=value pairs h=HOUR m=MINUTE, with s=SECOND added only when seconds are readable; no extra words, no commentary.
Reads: h=10 m=29 s=10
